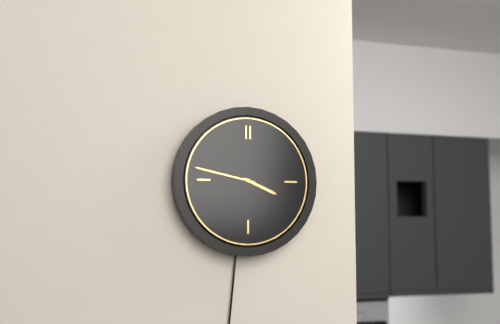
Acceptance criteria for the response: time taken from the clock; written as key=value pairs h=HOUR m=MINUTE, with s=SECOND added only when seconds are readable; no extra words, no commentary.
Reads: h=3 m=47
